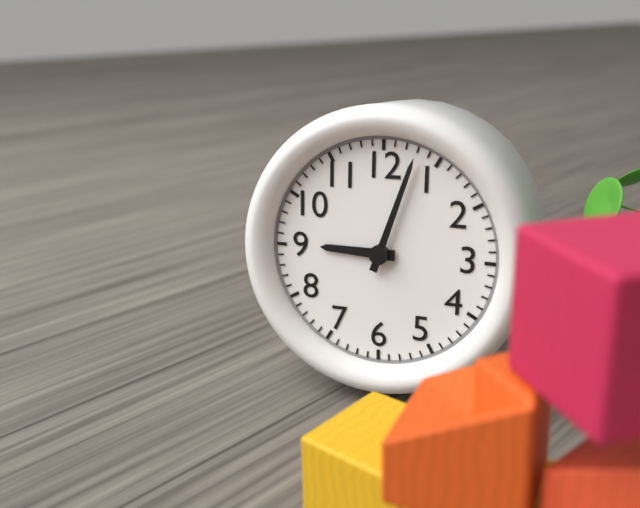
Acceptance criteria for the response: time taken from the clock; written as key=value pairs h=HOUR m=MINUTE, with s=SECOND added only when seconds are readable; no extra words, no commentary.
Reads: h=9 m=3
